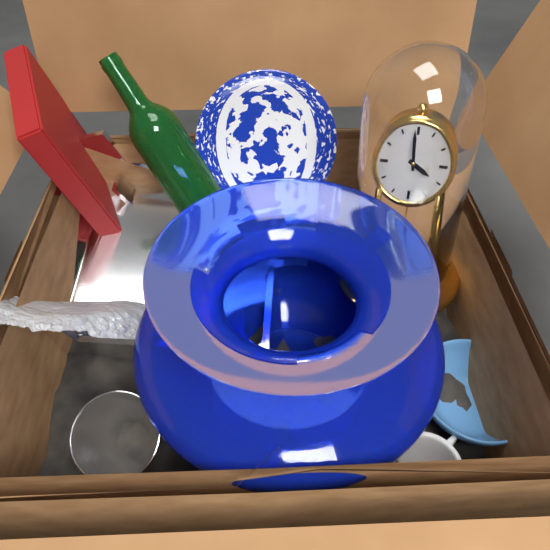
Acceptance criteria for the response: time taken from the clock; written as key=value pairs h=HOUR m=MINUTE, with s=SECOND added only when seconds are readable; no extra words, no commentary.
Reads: h=3 m=59
